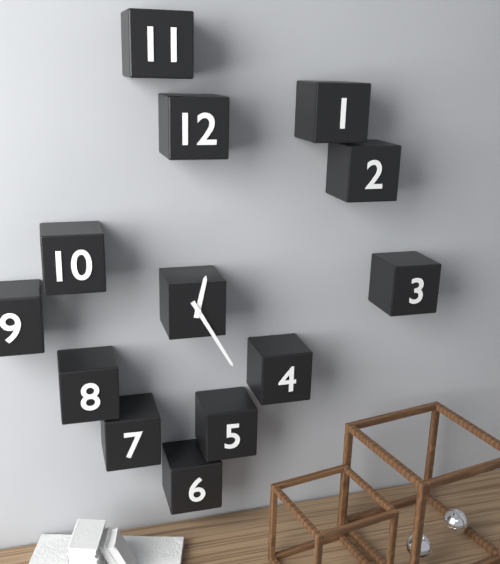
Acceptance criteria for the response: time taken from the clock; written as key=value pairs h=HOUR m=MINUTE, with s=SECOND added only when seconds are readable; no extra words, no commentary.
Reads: h=12 m=25
